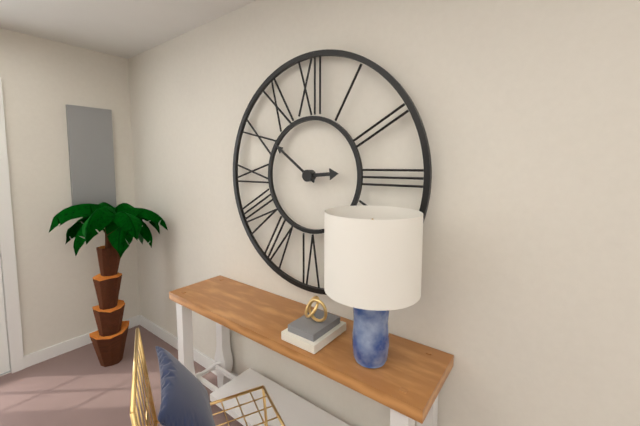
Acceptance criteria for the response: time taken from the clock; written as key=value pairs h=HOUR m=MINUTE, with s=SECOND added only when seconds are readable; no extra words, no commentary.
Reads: h=2 m=51
